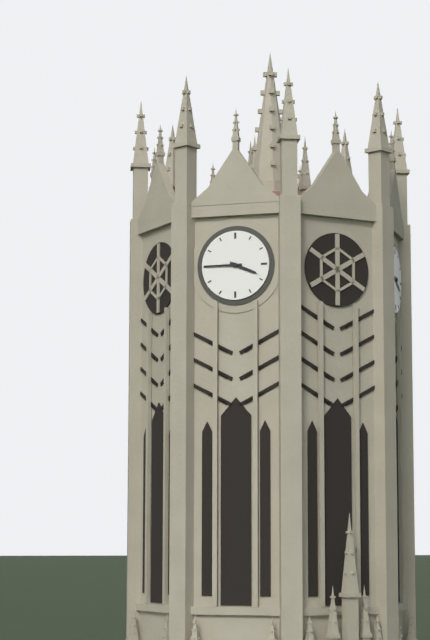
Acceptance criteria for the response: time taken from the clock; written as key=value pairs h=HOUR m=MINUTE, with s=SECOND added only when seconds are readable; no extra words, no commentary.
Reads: h=3 m=45
